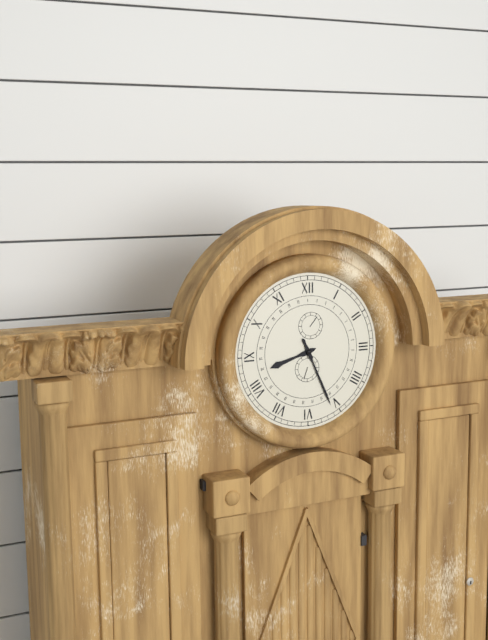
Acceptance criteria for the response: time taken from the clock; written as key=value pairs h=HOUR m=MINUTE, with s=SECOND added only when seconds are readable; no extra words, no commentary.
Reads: h=8 m=26
